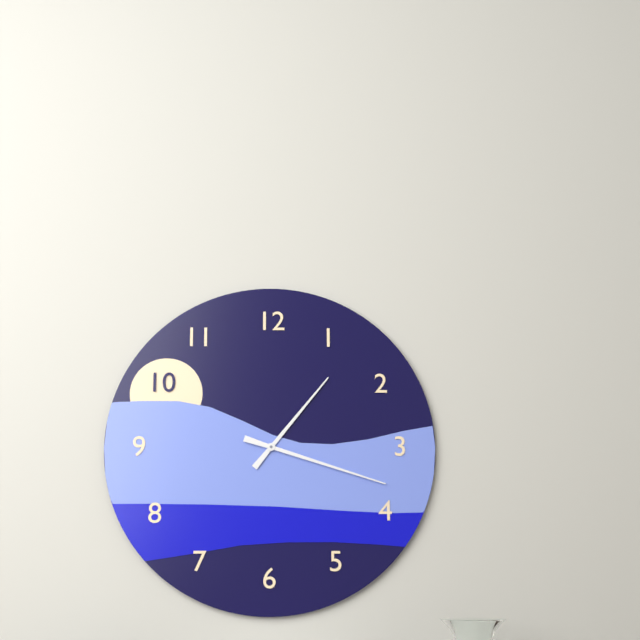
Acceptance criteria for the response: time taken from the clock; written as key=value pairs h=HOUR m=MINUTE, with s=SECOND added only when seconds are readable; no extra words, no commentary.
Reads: h=1 m=18
